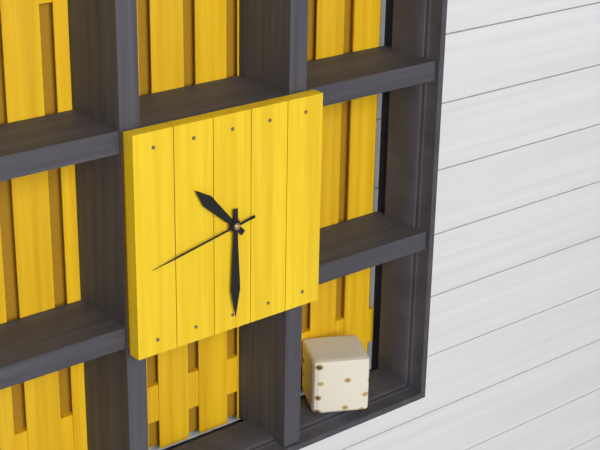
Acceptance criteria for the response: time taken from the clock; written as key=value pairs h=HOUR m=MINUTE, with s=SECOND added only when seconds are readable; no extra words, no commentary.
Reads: h=10 m=30 s=43
